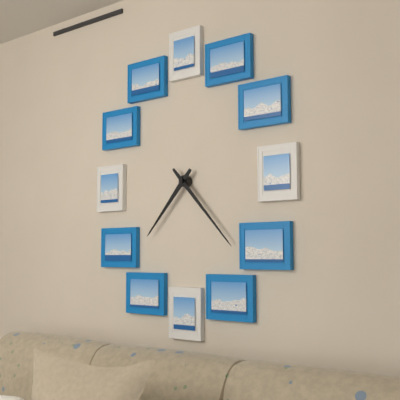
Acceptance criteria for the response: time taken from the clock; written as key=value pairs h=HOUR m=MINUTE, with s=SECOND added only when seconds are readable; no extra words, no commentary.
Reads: h=7 m=23
